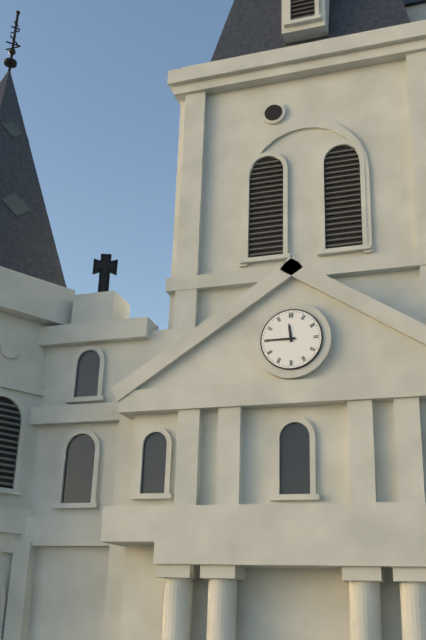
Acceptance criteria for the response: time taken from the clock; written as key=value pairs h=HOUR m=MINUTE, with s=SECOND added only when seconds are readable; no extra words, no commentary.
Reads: h=11 m=45
